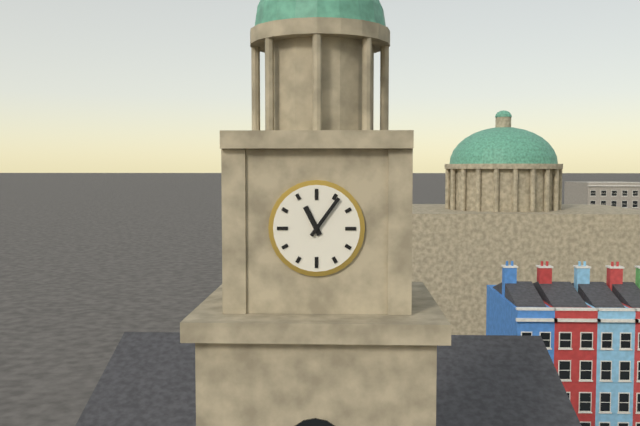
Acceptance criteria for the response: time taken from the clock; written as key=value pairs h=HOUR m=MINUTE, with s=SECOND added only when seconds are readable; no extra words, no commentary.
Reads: h=11 m=6
